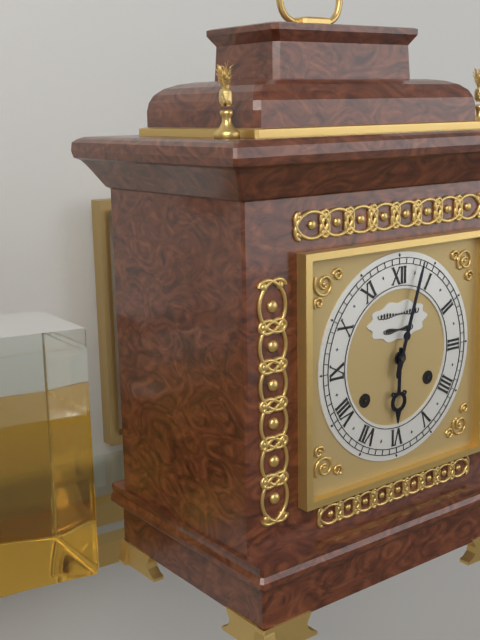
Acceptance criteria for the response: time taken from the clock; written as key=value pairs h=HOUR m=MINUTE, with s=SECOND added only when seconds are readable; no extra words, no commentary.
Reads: h=6 m=3
